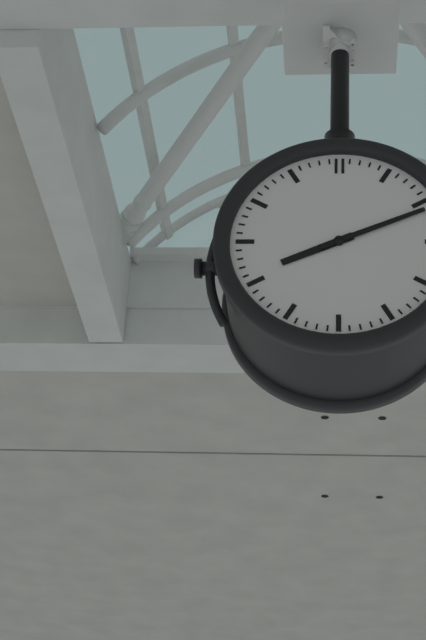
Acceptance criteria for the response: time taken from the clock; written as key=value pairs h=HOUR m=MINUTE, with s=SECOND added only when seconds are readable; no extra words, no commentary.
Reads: h=8 m=11
